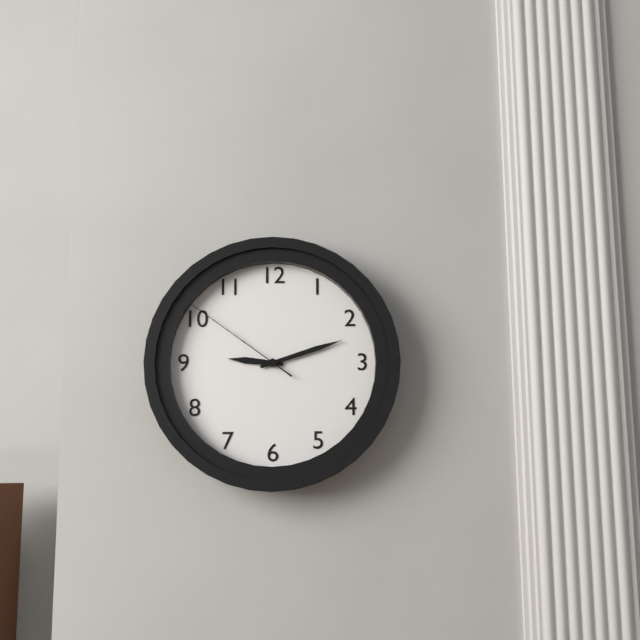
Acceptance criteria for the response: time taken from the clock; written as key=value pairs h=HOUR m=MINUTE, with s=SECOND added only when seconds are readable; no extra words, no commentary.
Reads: h=9 m=12 s=51
